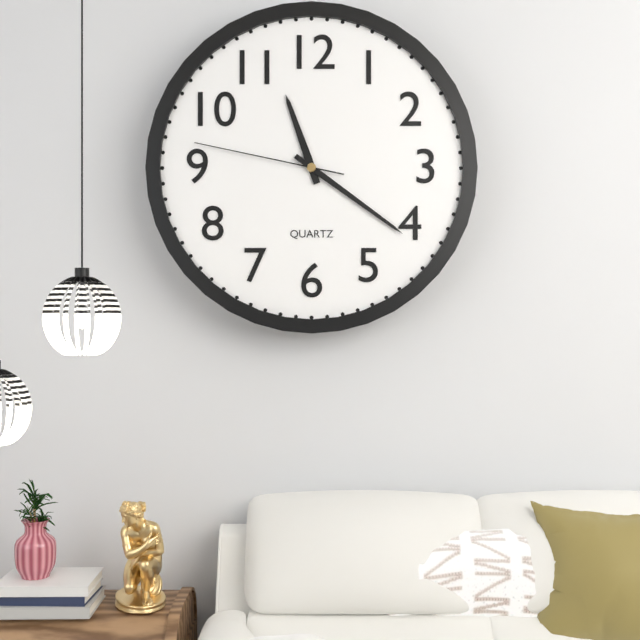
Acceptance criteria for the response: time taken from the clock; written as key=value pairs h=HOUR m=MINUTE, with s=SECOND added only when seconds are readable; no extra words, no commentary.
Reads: h=11 m=21 s=47
